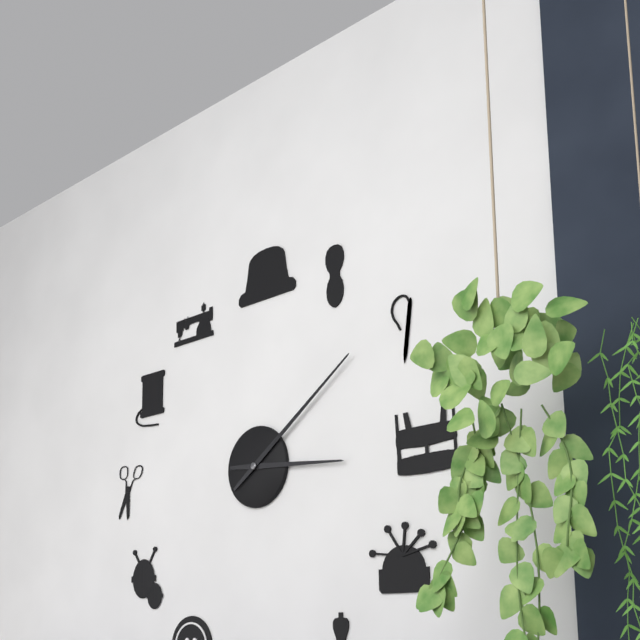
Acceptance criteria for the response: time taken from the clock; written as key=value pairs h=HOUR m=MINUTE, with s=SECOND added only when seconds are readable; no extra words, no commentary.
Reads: h=3 m=9
